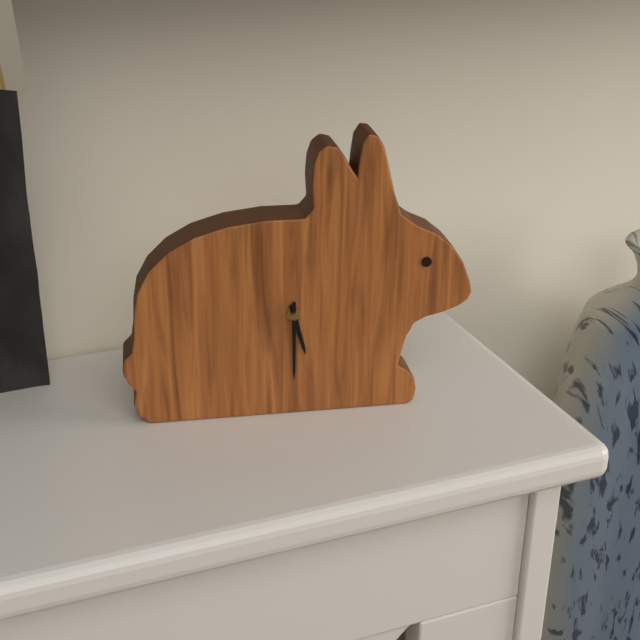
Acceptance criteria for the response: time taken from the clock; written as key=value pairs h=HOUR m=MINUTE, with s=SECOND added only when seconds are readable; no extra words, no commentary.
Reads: h=5 m=30
